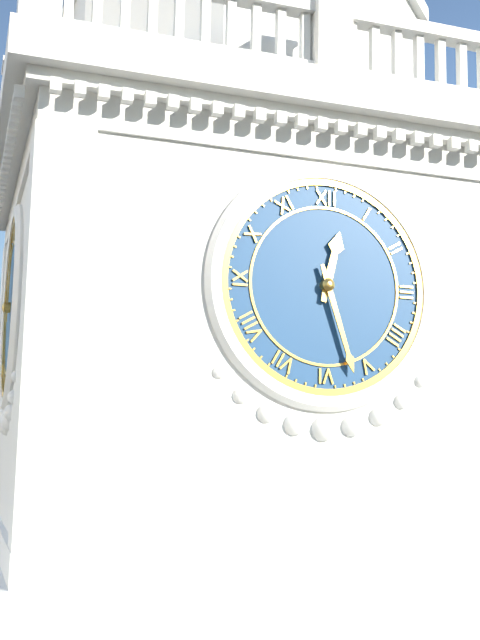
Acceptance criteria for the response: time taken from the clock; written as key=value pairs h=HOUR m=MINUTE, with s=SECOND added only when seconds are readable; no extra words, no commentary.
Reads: h=12 m=27
